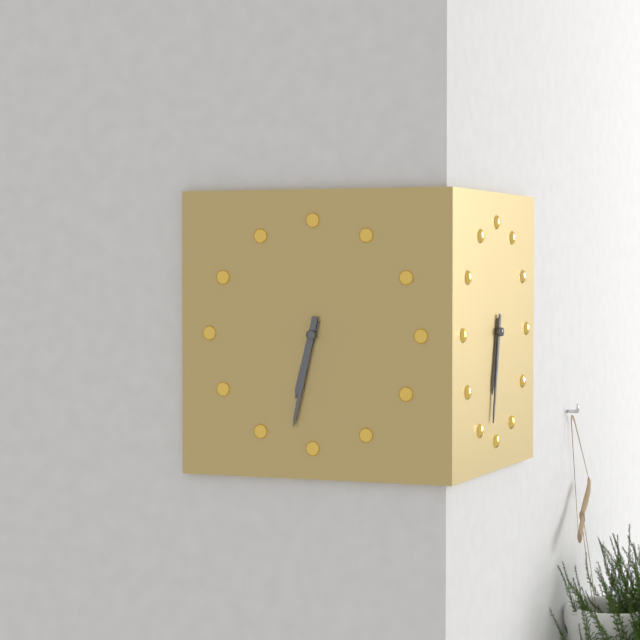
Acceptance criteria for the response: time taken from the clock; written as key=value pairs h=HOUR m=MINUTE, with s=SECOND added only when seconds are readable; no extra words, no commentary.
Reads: h=6 m=32
